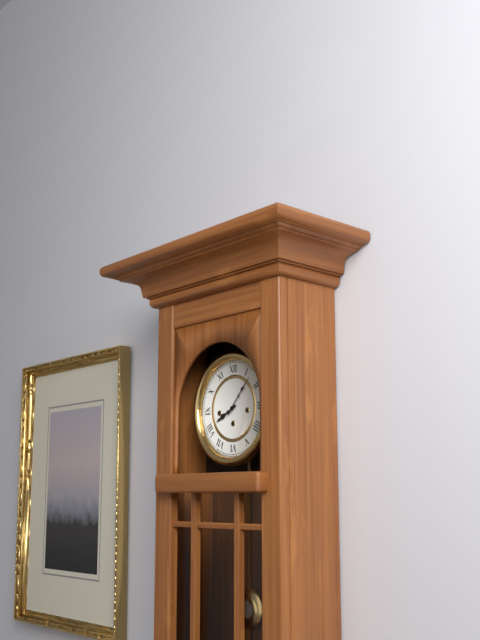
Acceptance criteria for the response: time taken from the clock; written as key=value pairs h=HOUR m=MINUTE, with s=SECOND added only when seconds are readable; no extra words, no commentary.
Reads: h=8 m=7
